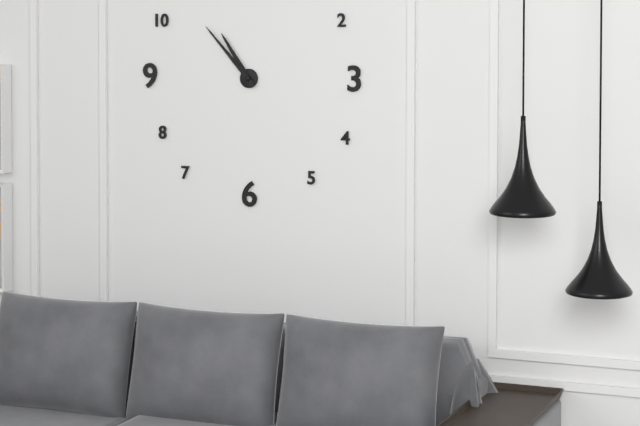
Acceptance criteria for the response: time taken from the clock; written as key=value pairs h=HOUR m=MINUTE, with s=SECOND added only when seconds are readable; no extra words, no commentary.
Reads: h=10 m=53
